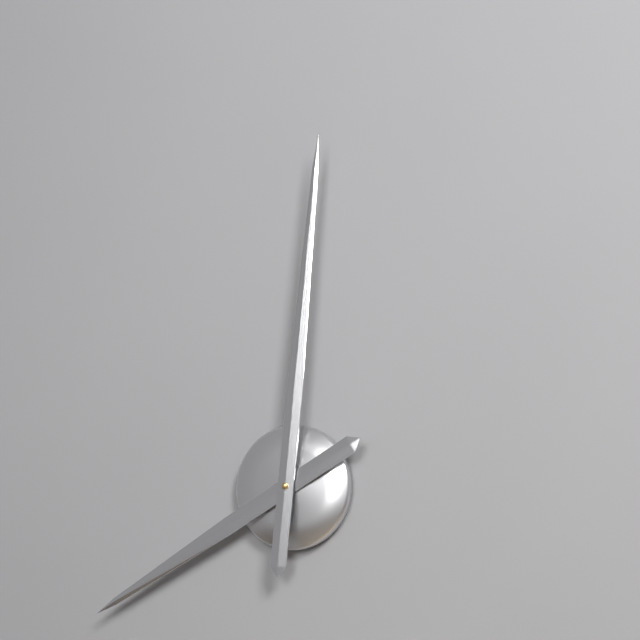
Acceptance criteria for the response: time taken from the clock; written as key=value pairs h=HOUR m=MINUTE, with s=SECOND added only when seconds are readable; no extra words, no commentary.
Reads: h=8 m=1
